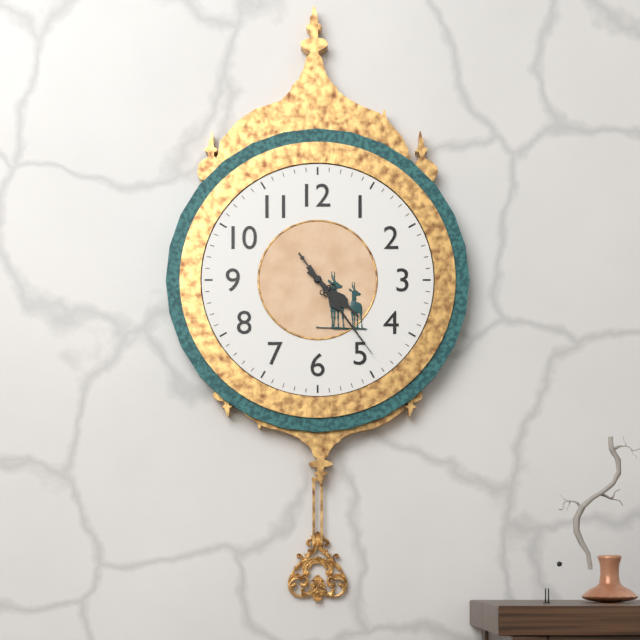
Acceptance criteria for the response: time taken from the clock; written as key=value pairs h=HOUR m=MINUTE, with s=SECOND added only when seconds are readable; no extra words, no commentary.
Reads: h=4 m=24 s=24
